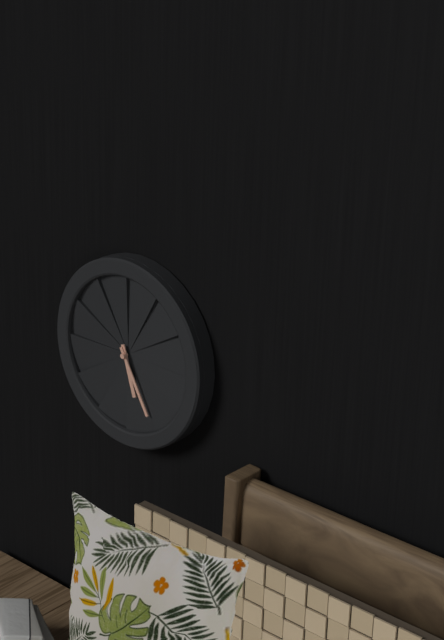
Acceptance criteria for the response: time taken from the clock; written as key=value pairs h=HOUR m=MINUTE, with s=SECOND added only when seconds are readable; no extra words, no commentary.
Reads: h=5 m=25
